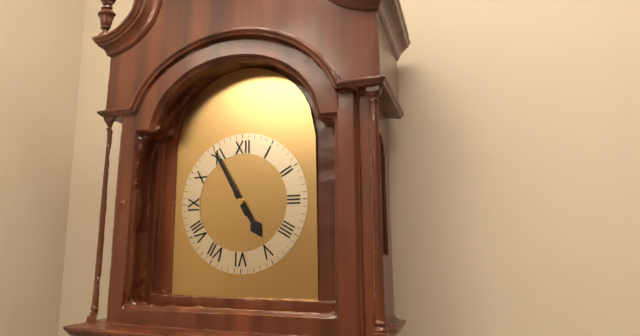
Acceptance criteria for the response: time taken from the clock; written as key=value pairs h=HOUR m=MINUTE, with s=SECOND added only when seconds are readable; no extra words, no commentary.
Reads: h=4 m=55
